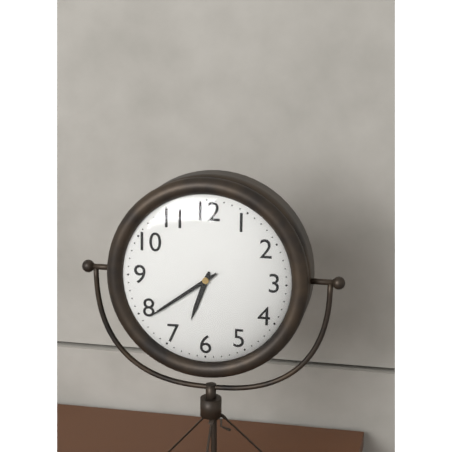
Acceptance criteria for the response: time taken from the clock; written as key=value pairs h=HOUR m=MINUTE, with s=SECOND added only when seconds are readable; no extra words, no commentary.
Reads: h=6 m=39
